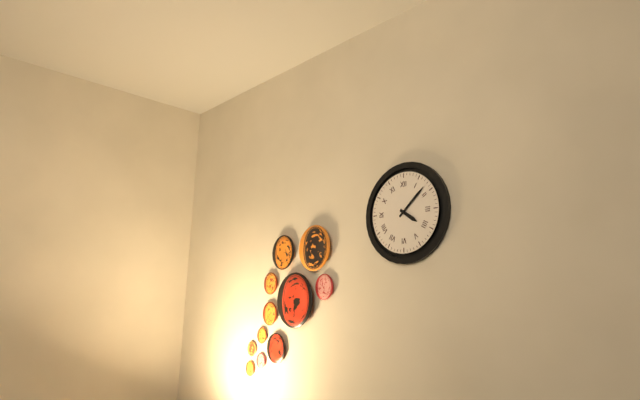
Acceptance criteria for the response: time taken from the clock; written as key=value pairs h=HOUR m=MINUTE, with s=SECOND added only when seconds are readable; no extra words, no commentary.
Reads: h=4 m=8
